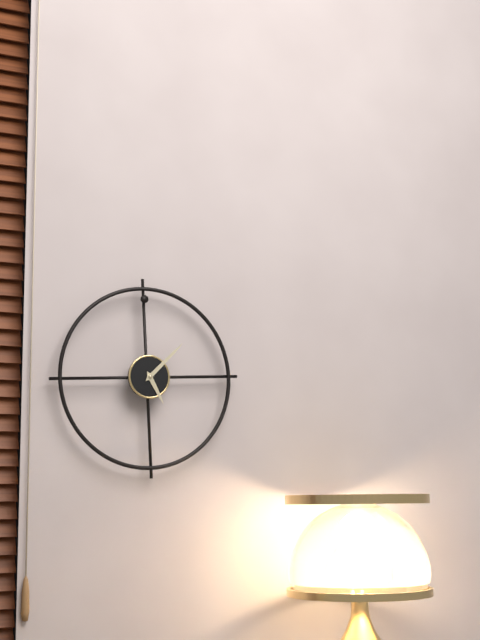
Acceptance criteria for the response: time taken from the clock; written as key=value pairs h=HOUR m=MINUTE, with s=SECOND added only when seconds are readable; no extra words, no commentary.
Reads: h=5 m=8
